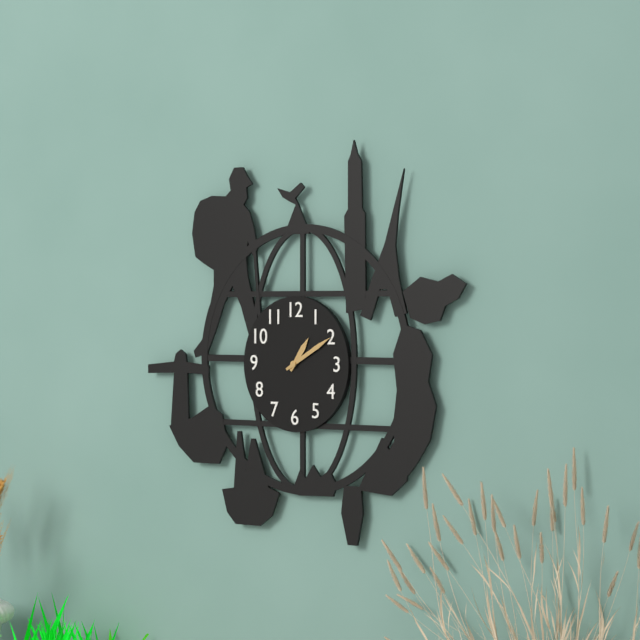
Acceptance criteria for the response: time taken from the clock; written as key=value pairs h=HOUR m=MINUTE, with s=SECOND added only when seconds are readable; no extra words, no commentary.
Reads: h=1 m=10
